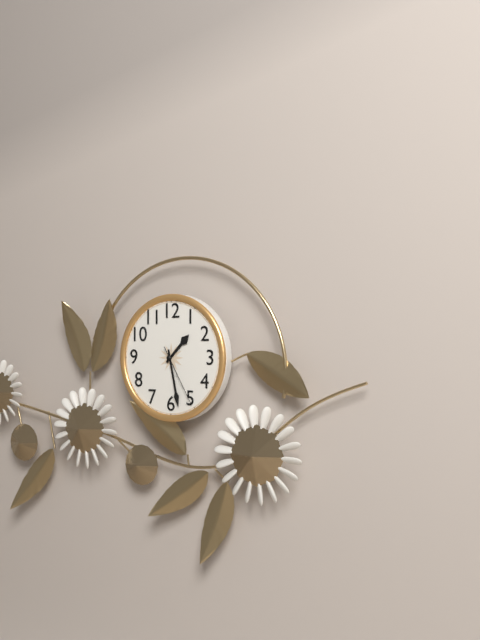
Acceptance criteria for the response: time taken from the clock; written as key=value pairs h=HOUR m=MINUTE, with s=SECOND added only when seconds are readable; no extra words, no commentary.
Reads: h=1 m=28 s=25
